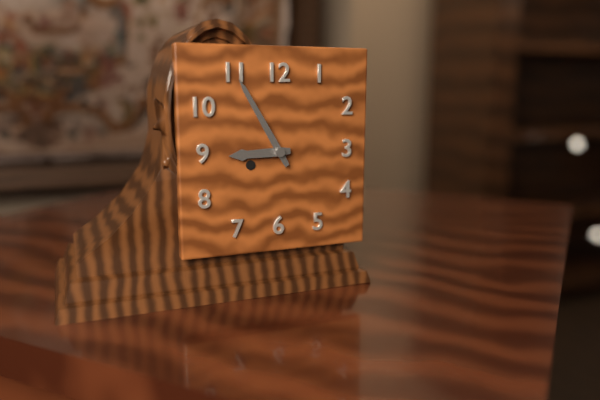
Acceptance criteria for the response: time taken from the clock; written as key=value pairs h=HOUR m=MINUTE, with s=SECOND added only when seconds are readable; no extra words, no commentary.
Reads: h=8 m=55
